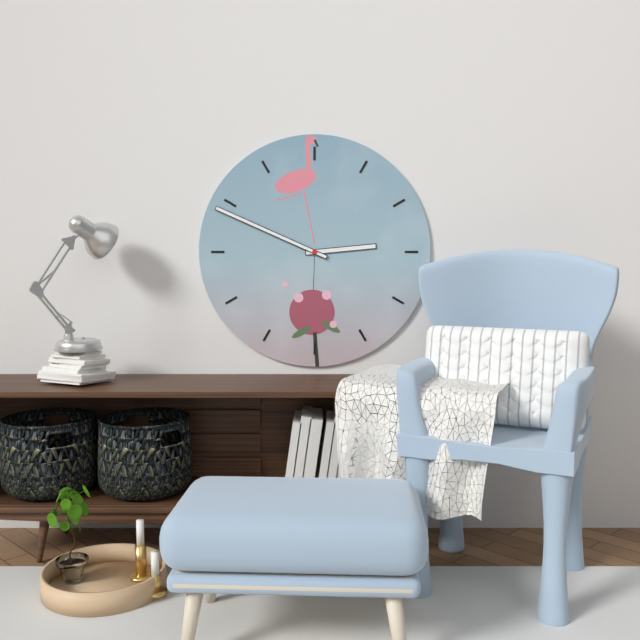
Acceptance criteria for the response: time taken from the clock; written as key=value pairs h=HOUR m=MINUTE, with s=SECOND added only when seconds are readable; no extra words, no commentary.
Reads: h=2 m=49
